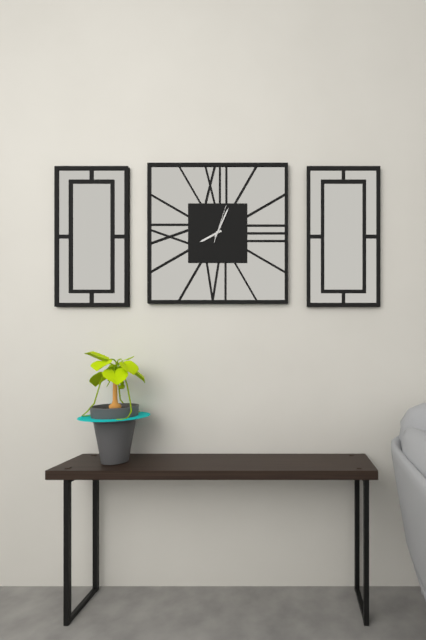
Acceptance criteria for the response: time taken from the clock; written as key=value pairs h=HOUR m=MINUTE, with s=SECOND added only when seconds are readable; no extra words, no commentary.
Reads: h=8 m=4
